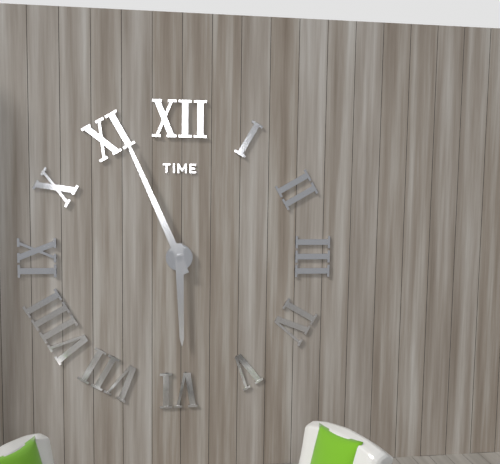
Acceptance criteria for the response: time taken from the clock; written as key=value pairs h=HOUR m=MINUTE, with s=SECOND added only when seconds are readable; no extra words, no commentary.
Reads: h=5 m=56
